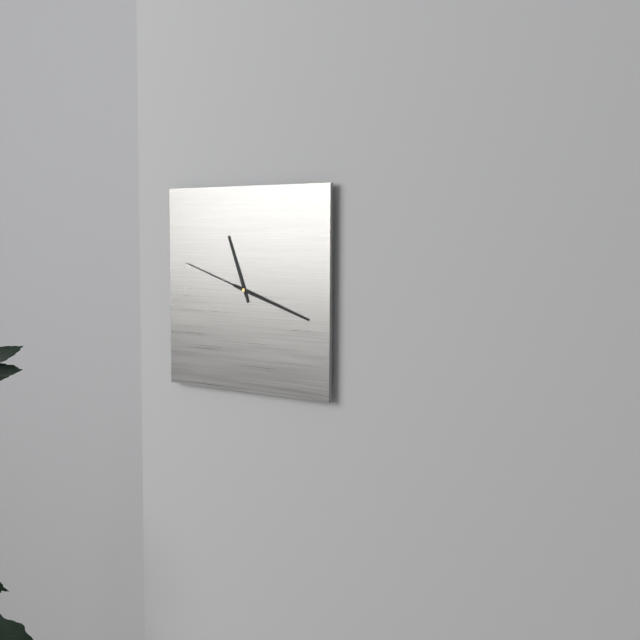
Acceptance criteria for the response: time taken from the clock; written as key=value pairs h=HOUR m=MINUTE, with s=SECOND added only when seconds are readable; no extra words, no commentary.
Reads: h=11 m=18 s=48
